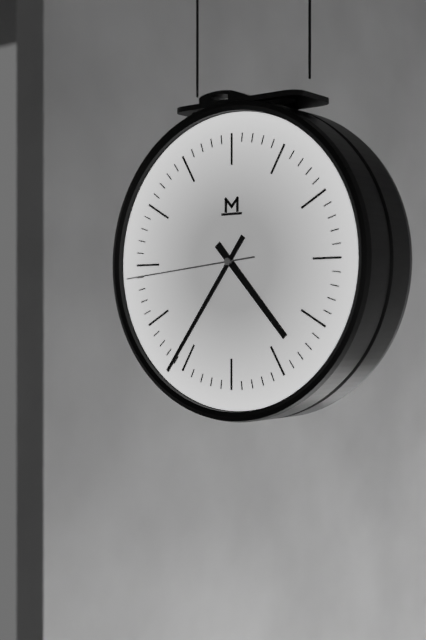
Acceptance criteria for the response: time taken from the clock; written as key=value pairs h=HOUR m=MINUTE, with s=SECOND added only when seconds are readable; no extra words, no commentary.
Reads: h=4 m=36 s=44
